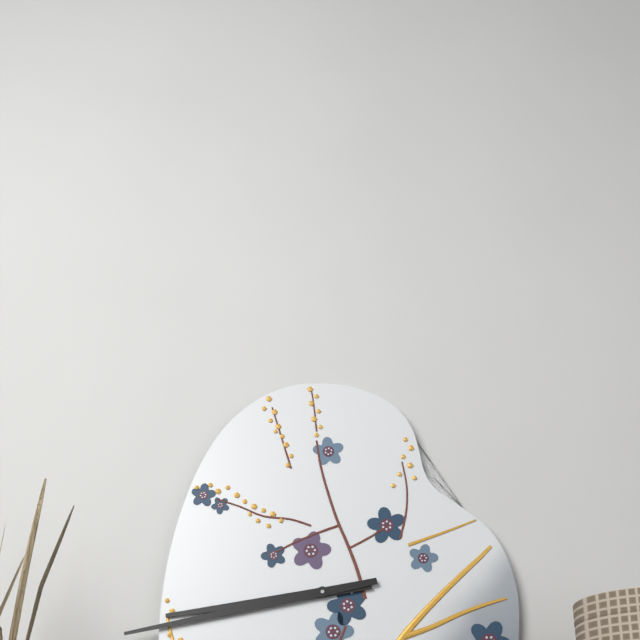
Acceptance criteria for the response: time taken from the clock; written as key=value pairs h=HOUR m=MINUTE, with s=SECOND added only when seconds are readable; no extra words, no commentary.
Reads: h=8 m=43
